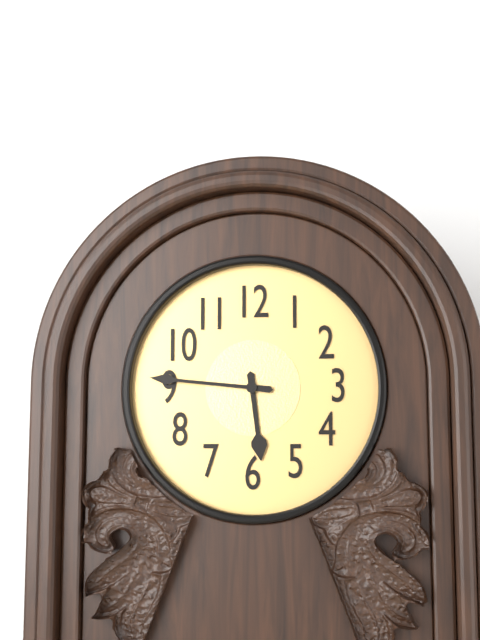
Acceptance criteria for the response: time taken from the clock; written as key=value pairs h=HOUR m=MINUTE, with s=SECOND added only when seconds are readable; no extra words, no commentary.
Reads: h=5 m=46
